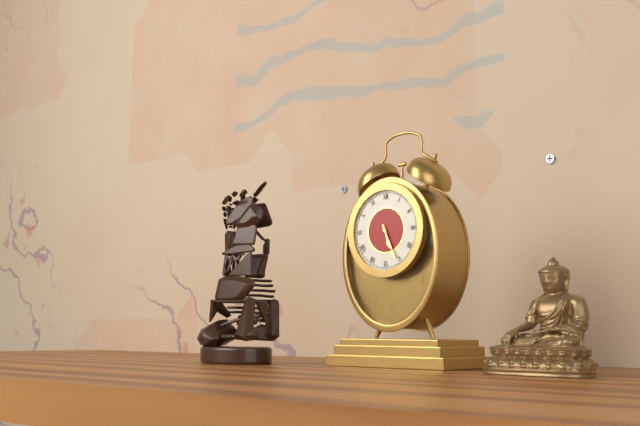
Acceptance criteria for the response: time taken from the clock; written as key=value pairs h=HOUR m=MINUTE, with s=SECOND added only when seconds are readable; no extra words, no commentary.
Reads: h=5 m=26
